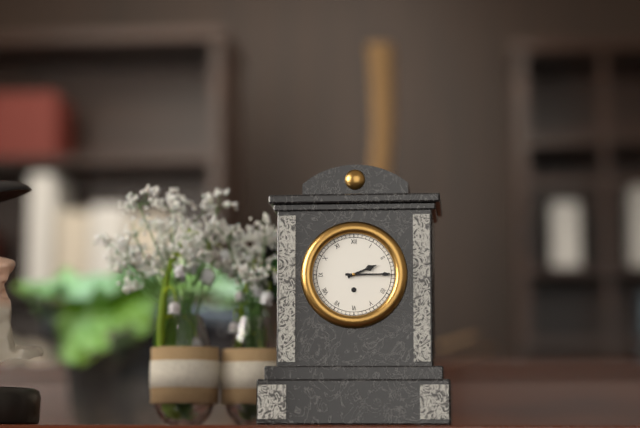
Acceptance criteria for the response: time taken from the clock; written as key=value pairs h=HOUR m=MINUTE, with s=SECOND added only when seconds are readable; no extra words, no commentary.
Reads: h=2 m=15
